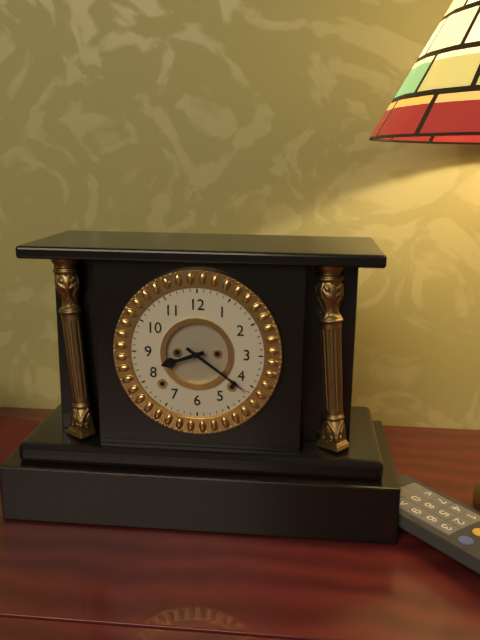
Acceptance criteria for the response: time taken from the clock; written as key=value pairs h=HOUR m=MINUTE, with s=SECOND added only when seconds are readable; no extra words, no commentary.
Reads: h=8 m=21
